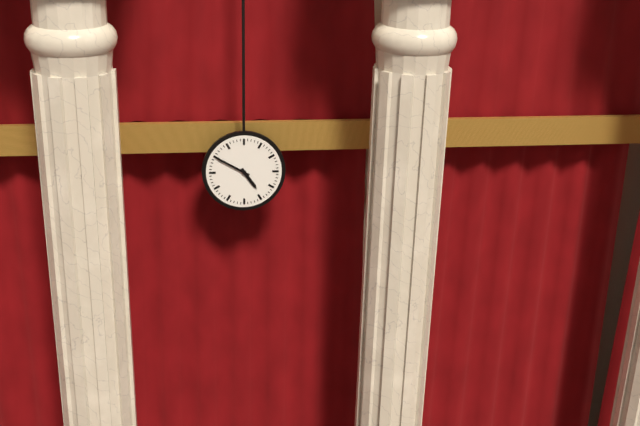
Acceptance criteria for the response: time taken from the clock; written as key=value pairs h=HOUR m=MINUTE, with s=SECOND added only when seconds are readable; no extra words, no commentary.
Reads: h=4 m=50
